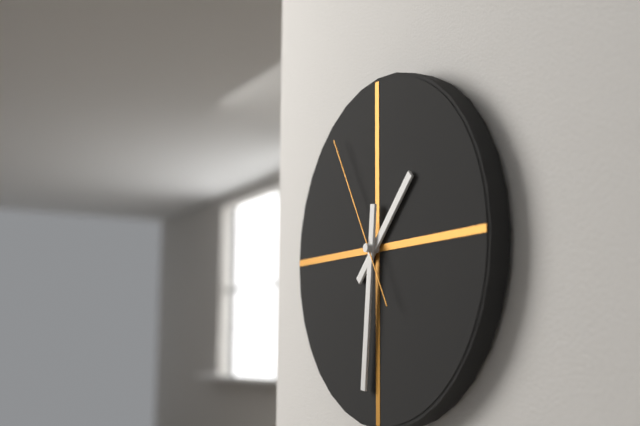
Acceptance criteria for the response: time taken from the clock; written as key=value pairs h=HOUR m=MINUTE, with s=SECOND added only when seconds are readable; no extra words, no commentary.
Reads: h=1 m=31 s=55
